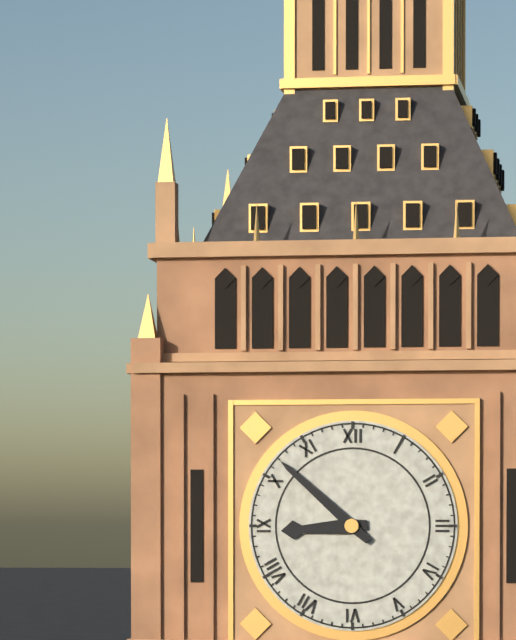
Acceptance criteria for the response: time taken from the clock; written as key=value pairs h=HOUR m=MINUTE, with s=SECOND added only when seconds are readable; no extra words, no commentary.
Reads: h=8 m=52
